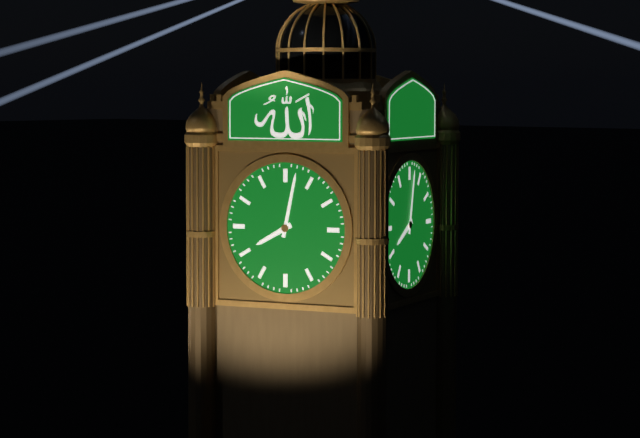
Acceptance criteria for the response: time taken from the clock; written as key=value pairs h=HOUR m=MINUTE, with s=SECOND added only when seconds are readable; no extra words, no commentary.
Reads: h=8 m=2
